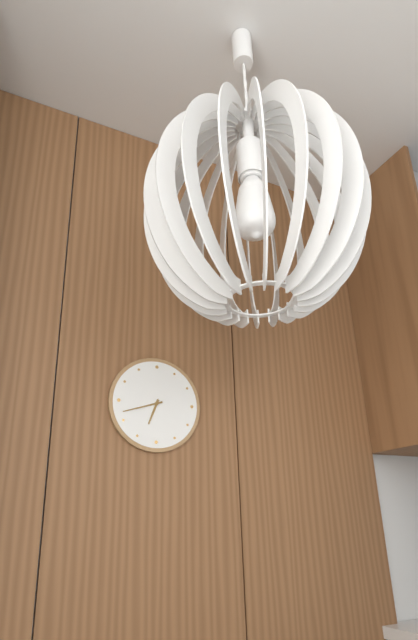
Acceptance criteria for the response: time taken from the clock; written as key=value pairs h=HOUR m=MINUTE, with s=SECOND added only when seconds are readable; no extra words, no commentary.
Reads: h=6 m=42
